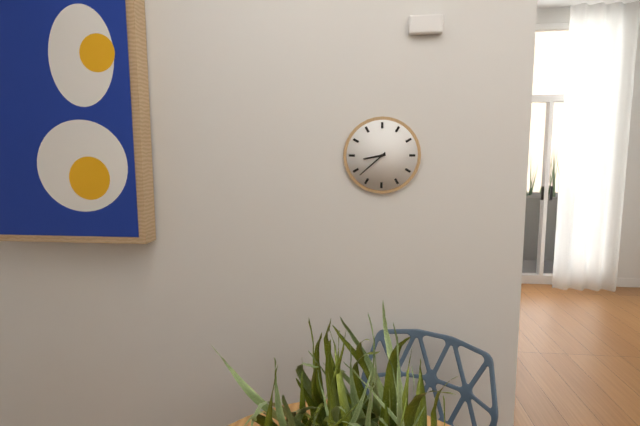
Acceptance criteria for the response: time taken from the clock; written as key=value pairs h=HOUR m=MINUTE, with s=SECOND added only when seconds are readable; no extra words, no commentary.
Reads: h=8 m=38
